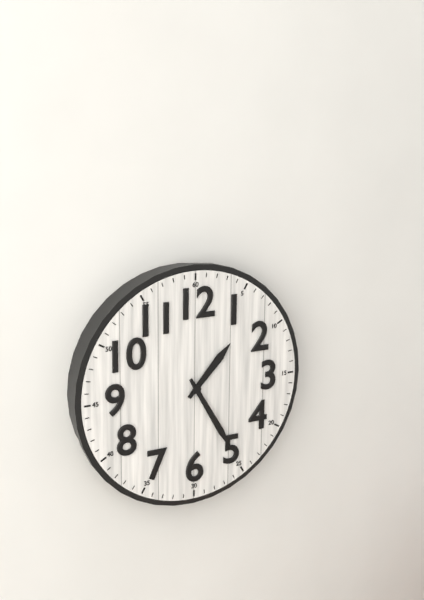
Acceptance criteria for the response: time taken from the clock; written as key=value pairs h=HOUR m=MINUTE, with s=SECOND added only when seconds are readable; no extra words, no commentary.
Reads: h=1 m=25
